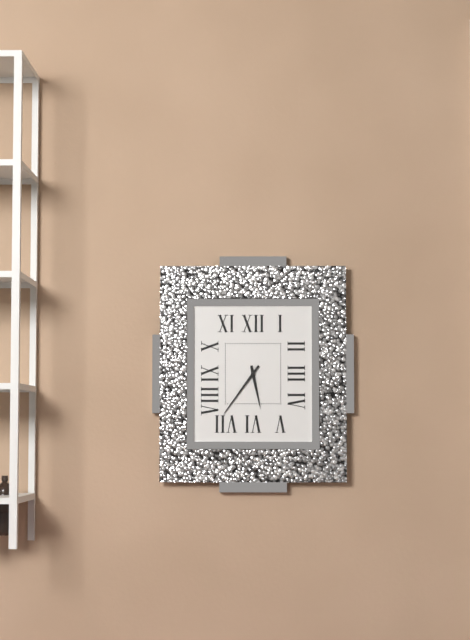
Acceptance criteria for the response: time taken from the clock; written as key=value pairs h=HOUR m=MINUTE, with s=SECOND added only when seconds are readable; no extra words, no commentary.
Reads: h=5 m=36
